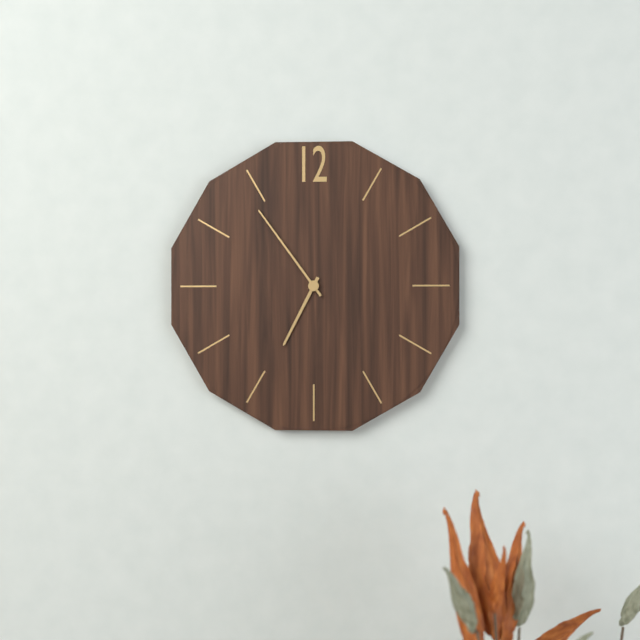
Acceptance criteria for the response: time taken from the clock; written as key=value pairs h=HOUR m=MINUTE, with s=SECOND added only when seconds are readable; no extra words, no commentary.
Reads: h=6 m=54
